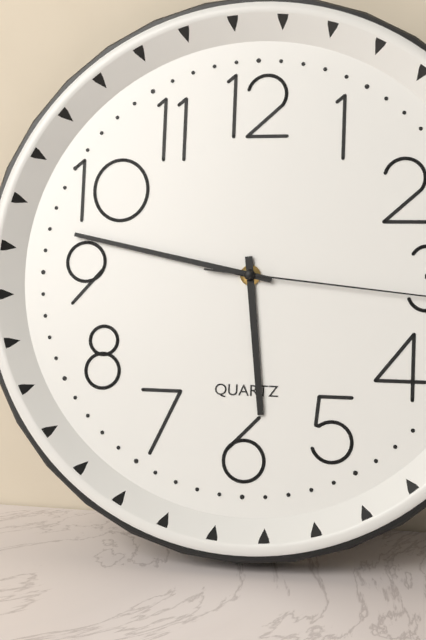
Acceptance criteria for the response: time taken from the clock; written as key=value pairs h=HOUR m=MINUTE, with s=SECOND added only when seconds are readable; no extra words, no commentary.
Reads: h=5 m=47
